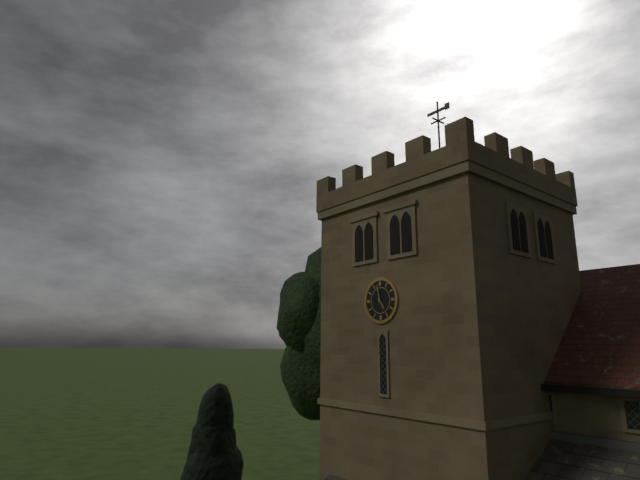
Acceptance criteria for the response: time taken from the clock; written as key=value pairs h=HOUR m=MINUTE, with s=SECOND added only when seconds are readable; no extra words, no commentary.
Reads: h=4 m=58
